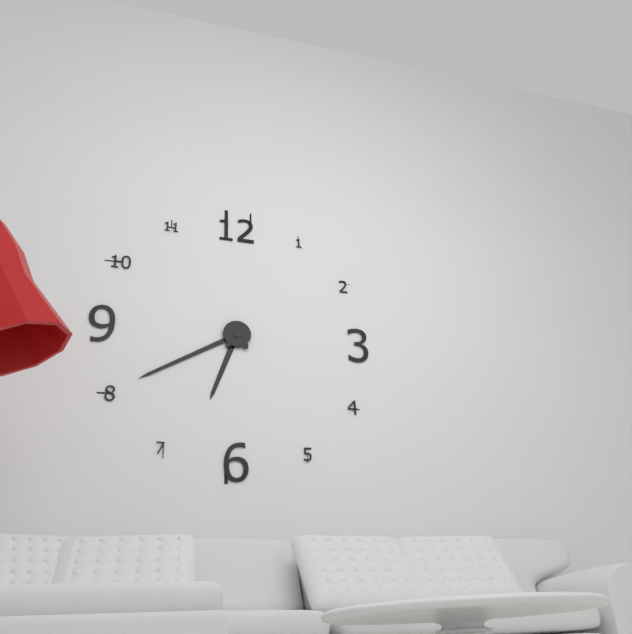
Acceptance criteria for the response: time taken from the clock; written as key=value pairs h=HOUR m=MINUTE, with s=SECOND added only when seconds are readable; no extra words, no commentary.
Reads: h=6 m=40
